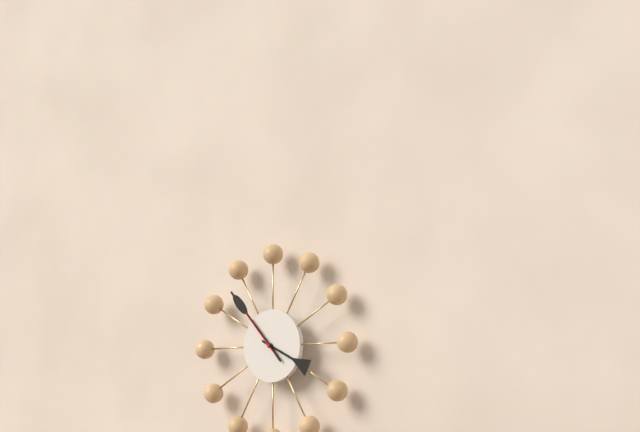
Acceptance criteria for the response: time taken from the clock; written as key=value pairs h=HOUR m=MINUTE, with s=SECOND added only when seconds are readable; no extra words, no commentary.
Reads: h=3 m=53 s=53
